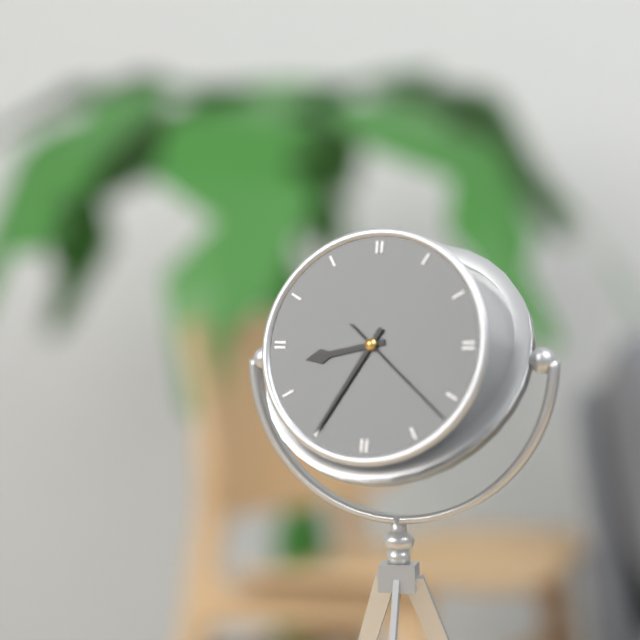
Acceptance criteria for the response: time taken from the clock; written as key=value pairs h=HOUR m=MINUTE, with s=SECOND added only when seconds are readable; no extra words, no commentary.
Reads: h=8 m=35 s=22
